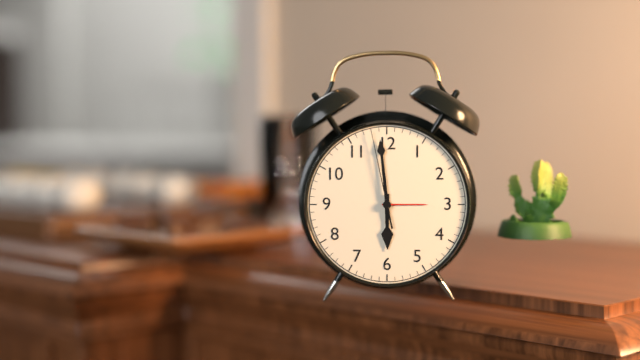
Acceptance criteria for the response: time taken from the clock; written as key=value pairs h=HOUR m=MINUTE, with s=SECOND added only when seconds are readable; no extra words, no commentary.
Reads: h=5 m=59 s=58
